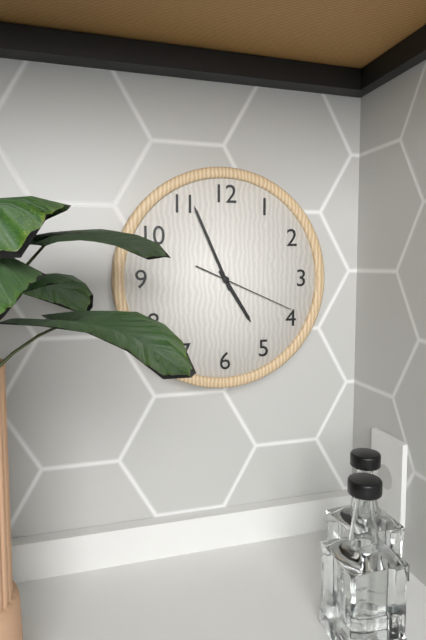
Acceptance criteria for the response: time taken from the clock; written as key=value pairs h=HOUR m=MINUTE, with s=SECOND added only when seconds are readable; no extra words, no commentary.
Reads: h=4 m=56 s=19
